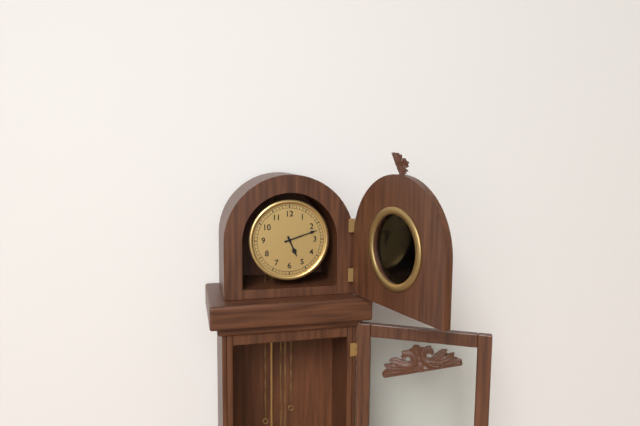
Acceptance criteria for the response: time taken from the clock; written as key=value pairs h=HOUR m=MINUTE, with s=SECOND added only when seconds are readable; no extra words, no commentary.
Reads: h=5 m=12
